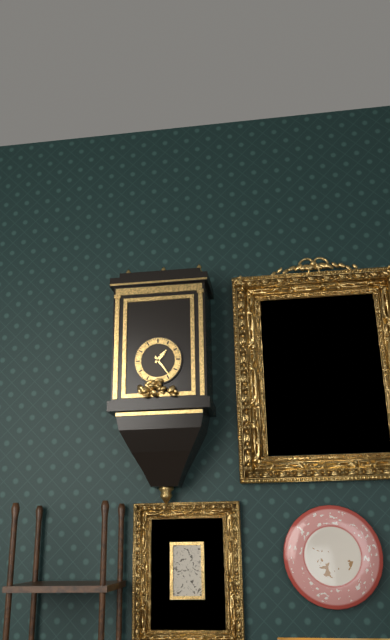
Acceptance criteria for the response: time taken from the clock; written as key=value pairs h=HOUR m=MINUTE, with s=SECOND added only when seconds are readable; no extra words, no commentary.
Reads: h=1 m=24
